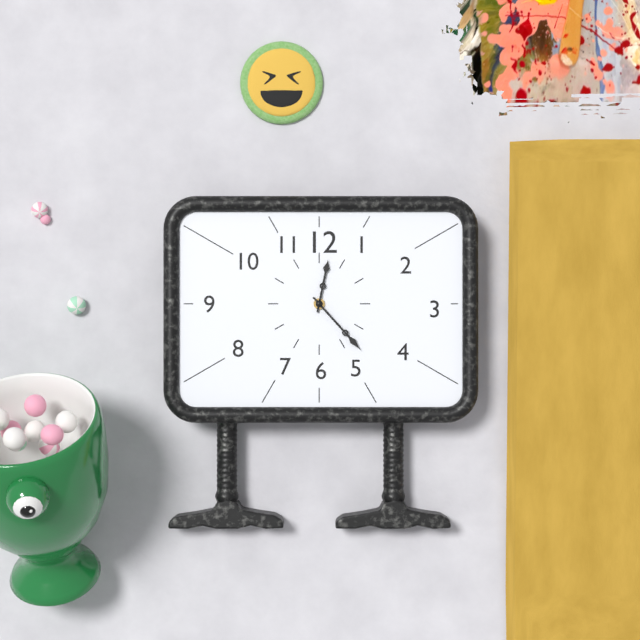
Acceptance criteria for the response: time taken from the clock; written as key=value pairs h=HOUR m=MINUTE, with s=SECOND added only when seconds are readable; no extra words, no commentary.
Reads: h=12 m=23
